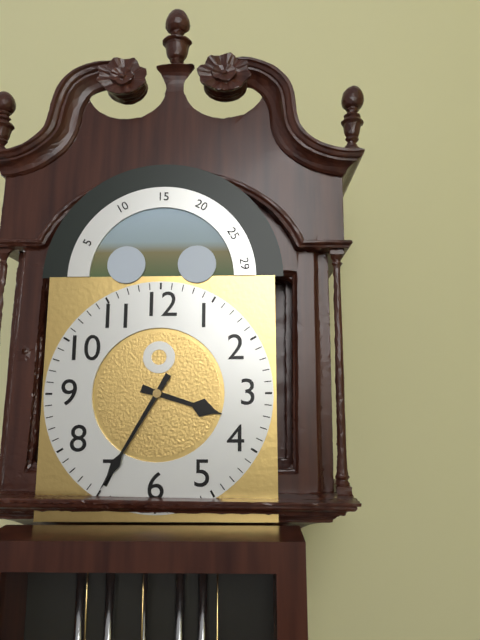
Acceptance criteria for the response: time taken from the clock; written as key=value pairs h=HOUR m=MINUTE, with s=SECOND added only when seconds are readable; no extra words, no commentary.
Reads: h=3 m=35
